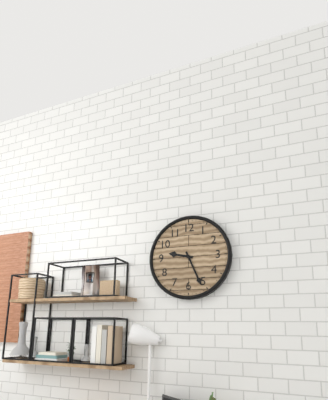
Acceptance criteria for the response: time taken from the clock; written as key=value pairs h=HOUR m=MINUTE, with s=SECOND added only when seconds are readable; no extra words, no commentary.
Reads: h=9 m=26
